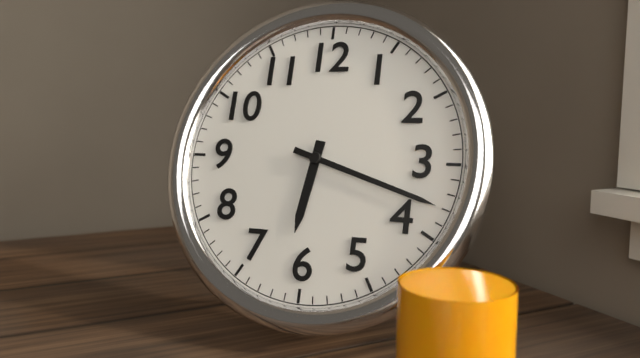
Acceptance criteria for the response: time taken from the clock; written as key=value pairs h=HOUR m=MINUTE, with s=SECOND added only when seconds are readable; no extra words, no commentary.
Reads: h=6 m=18
